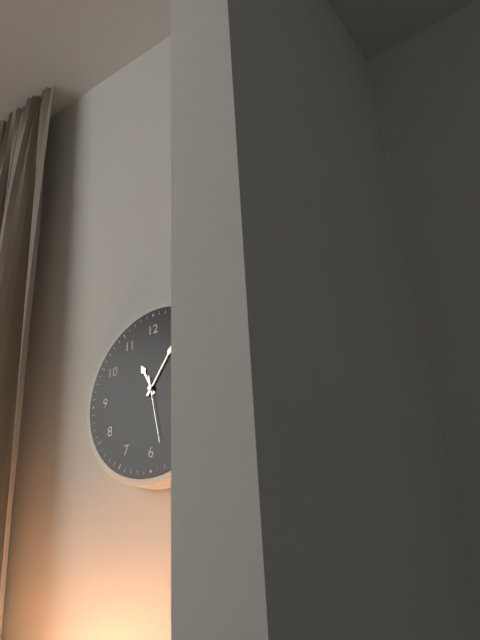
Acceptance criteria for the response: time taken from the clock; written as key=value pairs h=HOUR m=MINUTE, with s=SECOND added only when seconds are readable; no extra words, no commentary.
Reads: h=11 m=6 s=28
